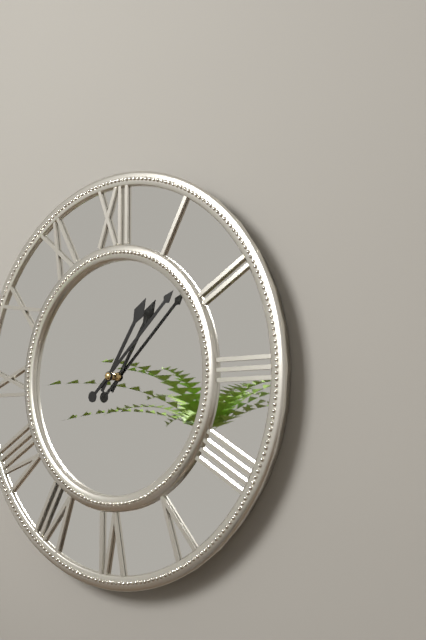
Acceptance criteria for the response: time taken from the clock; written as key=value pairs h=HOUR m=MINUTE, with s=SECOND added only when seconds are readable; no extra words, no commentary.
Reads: h=1 m=8
